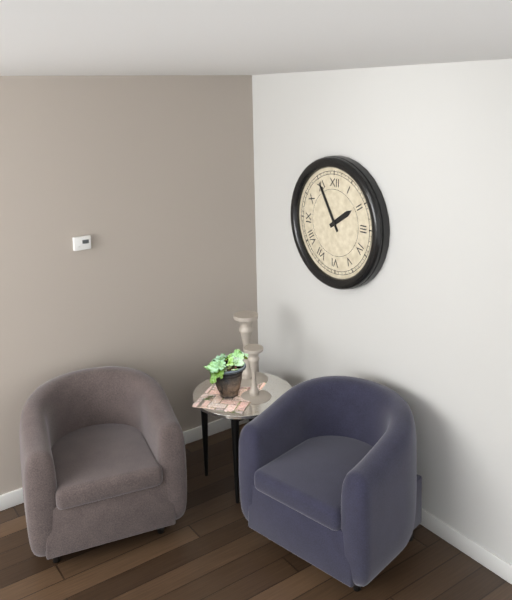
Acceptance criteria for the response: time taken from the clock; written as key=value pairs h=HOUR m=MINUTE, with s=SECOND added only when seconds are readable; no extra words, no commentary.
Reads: h=1 m=55
